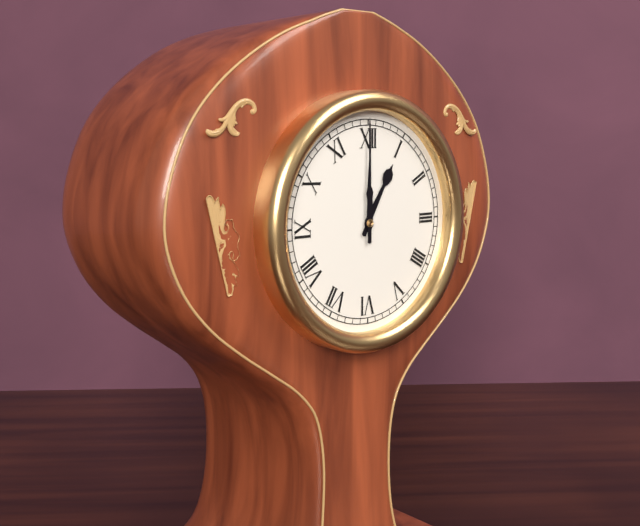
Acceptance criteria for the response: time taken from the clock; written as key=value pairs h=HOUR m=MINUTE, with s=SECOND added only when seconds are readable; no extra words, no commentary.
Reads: h=1 m=0
